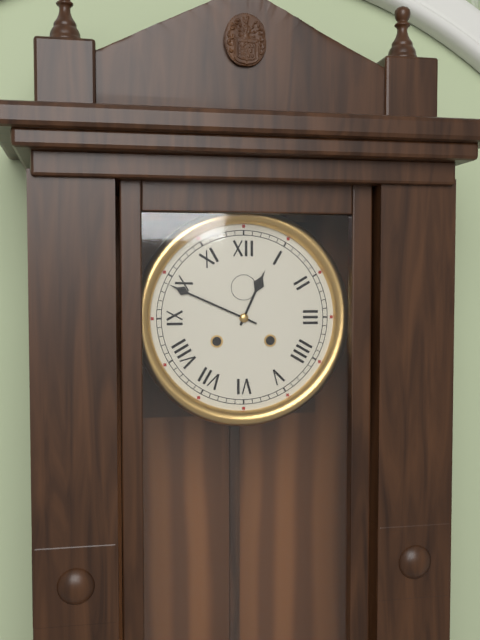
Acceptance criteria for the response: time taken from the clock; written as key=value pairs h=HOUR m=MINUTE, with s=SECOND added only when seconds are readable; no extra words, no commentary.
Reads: h=12 m=49
